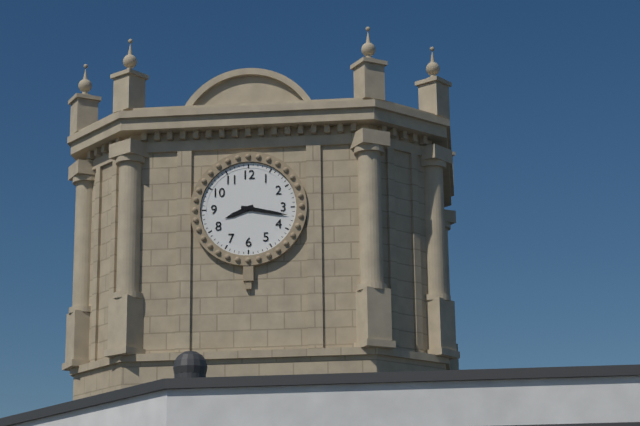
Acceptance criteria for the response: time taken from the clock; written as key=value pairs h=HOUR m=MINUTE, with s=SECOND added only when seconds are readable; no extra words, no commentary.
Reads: h=8 m=17
